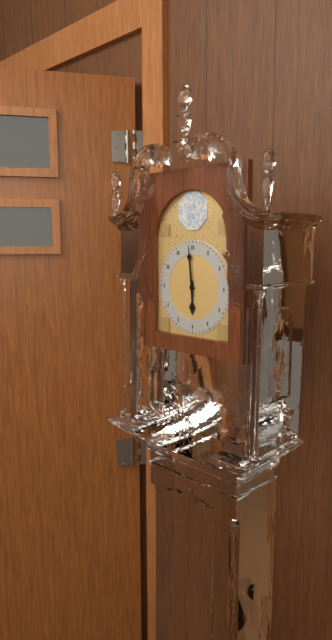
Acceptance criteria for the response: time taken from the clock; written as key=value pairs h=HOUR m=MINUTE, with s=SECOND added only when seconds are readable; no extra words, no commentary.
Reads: h=5 m=59
